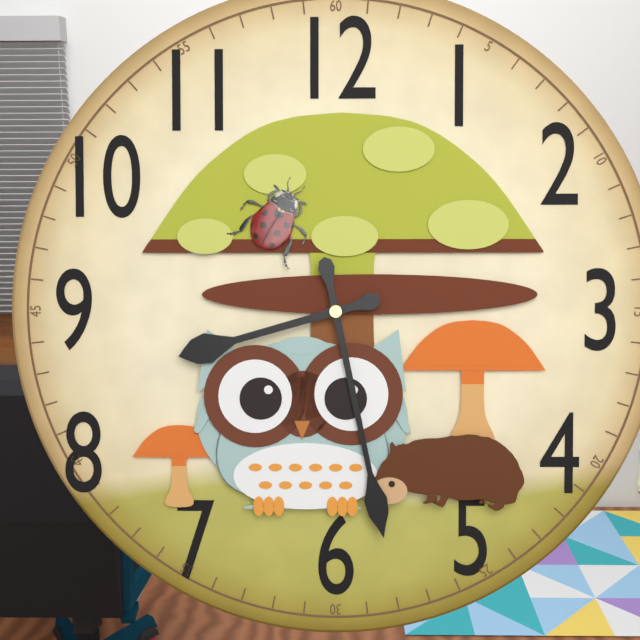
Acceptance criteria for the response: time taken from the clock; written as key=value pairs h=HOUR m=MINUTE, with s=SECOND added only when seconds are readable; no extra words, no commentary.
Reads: h=8 m=28
